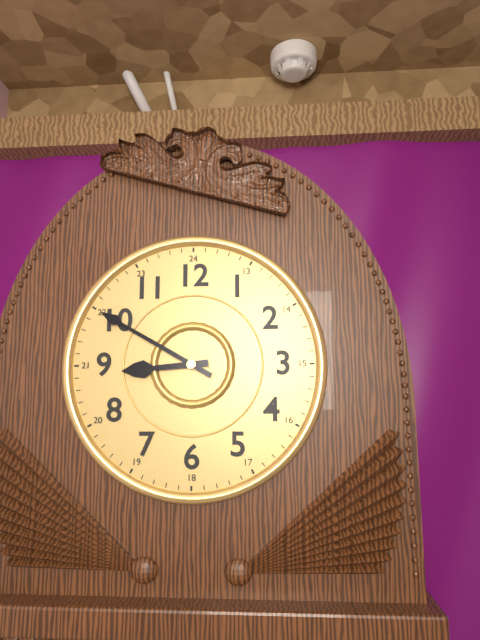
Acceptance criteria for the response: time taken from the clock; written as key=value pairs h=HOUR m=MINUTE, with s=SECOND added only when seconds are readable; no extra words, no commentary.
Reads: h=8 m=50
